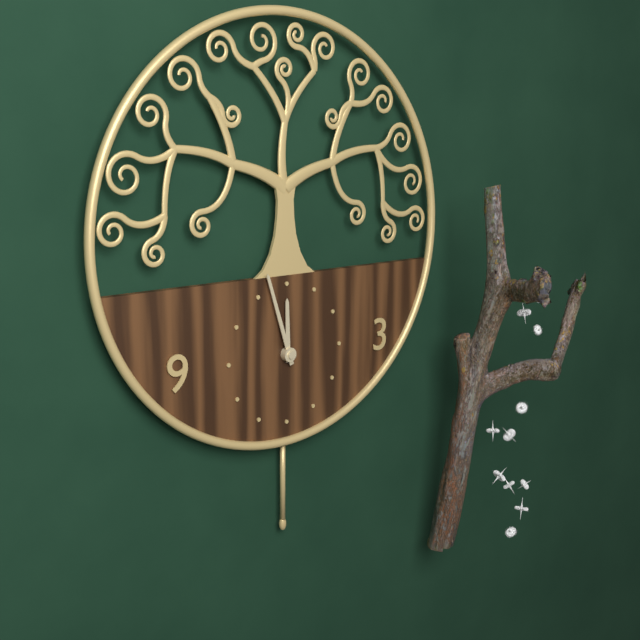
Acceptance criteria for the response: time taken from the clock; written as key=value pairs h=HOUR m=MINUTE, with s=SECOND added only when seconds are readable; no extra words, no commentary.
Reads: h=11 m=57
